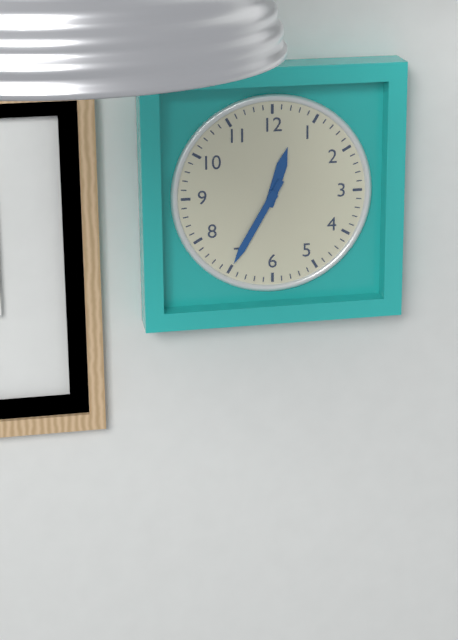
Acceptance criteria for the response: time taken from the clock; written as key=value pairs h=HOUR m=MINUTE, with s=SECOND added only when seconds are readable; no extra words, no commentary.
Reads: h=12 m=35
